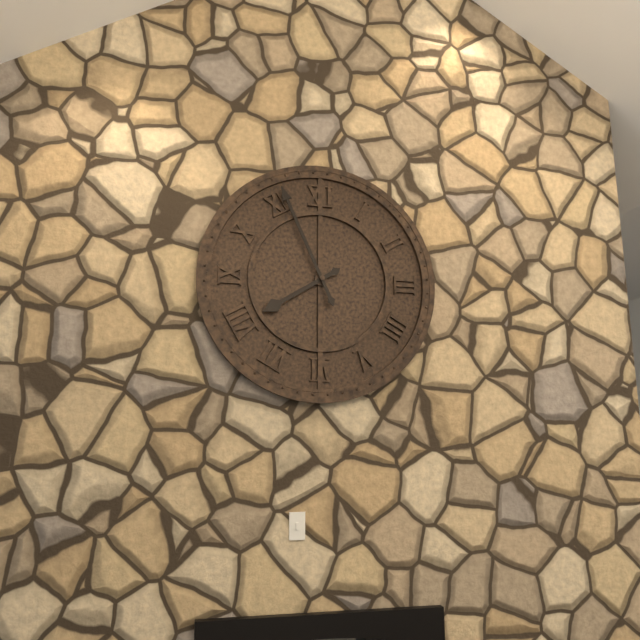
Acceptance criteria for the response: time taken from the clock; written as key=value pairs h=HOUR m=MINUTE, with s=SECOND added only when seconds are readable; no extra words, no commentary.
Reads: h=7 m=56
